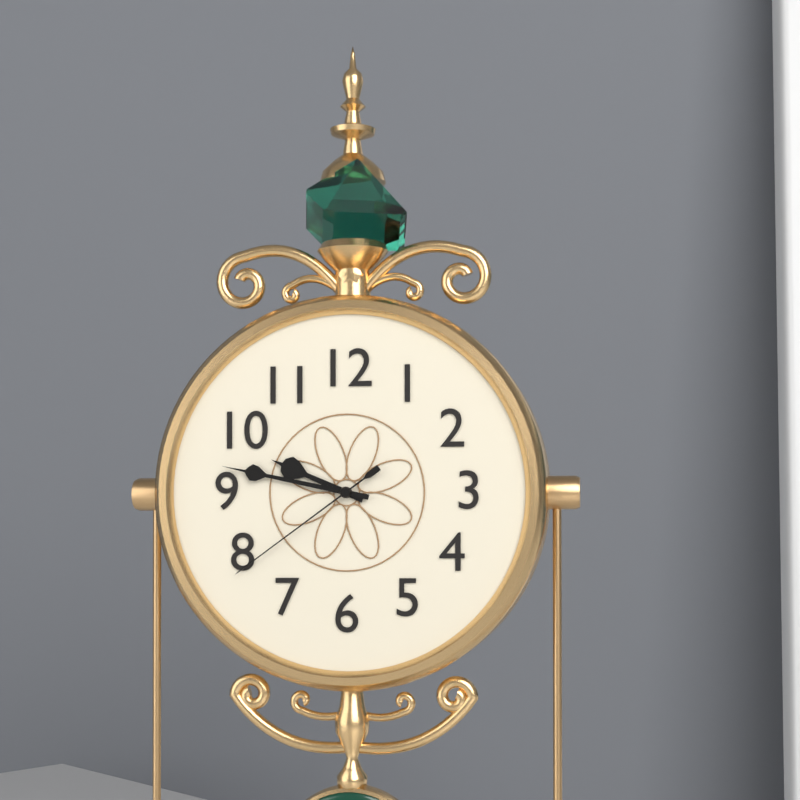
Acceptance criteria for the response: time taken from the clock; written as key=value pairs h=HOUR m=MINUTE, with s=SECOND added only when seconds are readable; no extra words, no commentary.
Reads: h=9 m=47 s=39
